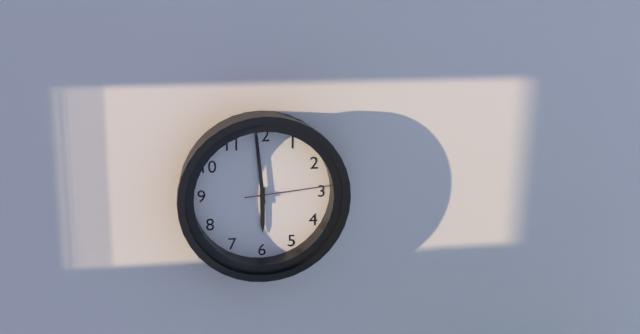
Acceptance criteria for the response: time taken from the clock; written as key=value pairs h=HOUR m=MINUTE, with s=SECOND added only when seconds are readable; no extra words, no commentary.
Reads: h=5 m=59 s=14
